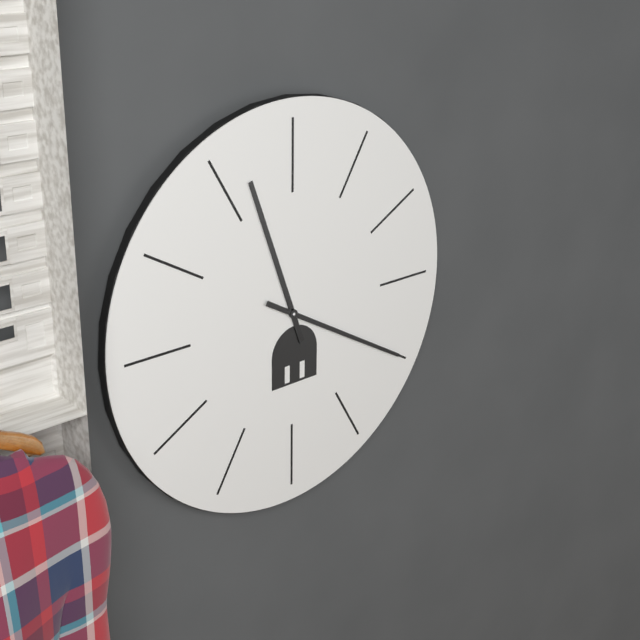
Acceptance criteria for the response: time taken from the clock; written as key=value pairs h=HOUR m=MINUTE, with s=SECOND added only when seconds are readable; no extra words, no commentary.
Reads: h=11 m=20
